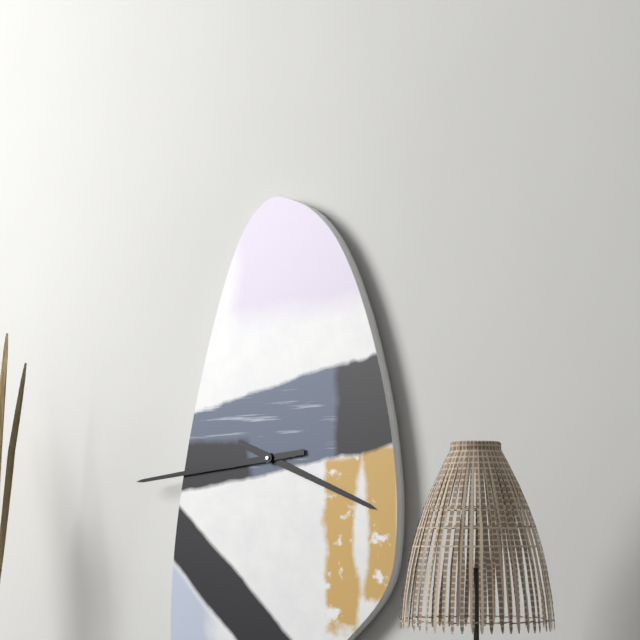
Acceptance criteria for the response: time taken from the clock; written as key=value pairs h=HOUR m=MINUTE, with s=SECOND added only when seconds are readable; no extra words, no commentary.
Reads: h=3 m=44
